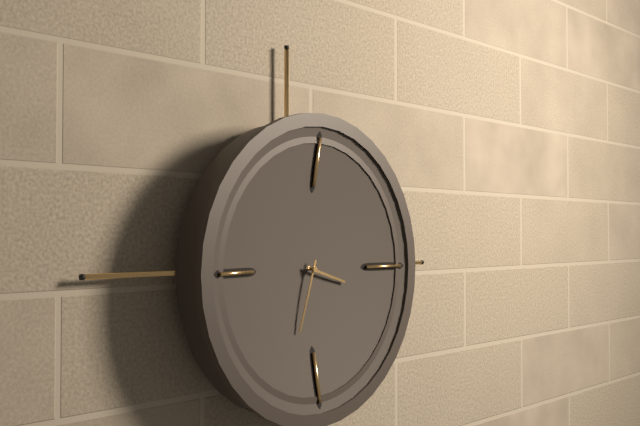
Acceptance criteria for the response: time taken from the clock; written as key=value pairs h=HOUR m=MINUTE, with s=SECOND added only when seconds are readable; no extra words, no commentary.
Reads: h=3 m=33
